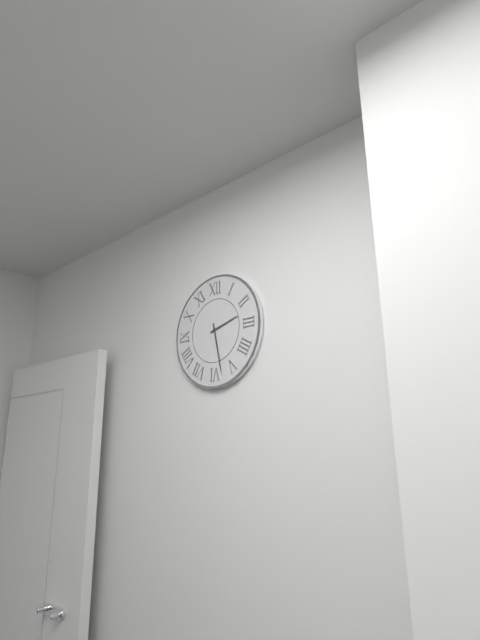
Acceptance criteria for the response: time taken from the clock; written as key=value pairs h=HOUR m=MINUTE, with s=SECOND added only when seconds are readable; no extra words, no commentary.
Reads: h=2 m=28
